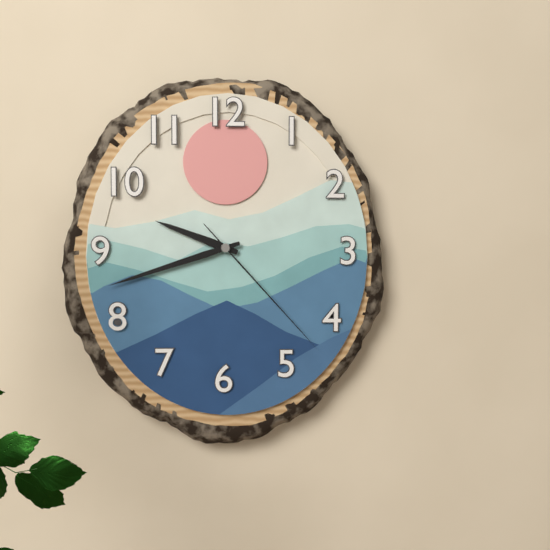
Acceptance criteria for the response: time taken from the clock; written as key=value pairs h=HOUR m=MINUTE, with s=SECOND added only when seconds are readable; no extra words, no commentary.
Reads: h=9 m=42 s=23
